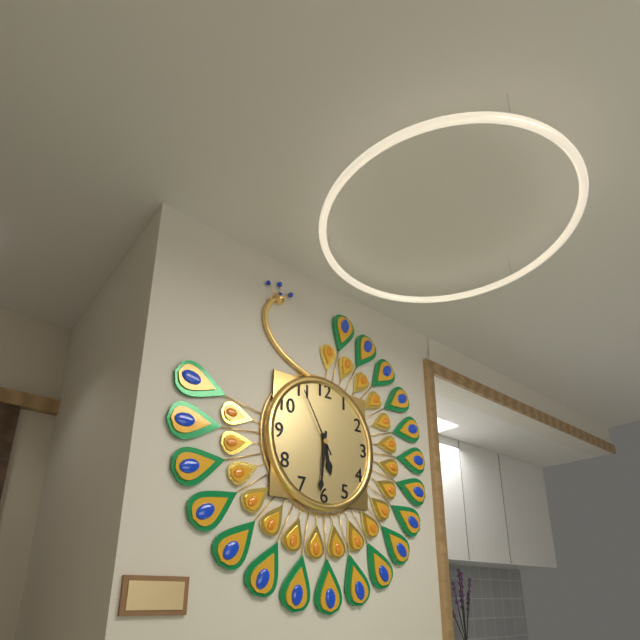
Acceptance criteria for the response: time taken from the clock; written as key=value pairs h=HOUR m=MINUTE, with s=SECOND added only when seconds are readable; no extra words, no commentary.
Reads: h=5 m=31 s=55
